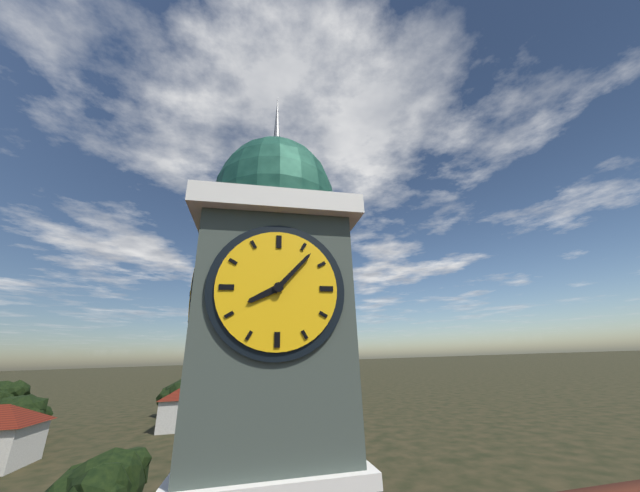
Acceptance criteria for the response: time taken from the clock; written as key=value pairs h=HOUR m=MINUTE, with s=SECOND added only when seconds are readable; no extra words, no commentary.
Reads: h=8 m=7
